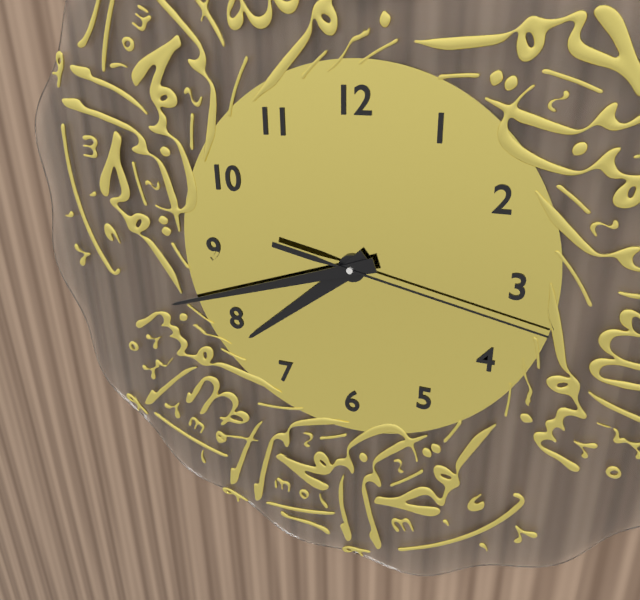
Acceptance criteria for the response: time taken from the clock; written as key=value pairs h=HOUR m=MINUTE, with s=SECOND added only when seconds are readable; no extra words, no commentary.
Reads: h=7 m=42 s=17
